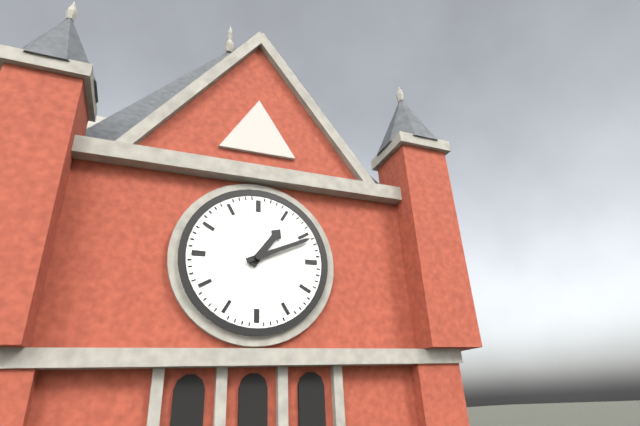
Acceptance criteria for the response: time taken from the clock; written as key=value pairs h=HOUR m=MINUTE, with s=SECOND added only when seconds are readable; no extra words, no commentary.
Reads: h=1 m=11
